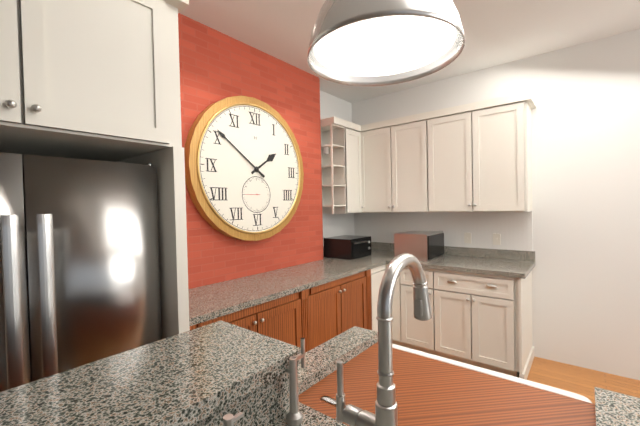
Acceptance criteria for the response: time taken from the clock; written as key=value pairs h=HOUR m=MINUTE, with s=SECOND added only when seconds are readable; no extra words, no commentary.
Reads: h=1 m=51
